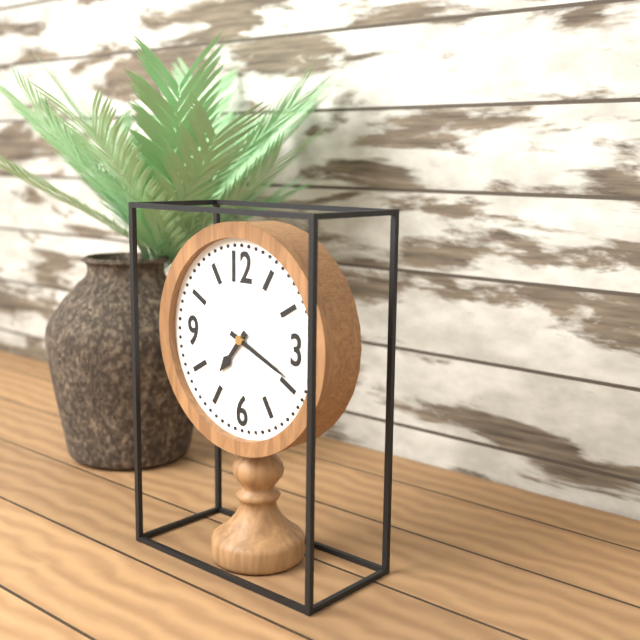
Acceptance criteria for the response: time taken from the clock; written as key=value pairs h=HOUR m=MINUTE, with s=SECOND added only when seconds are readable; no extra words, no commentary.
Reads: h=7 m=19
